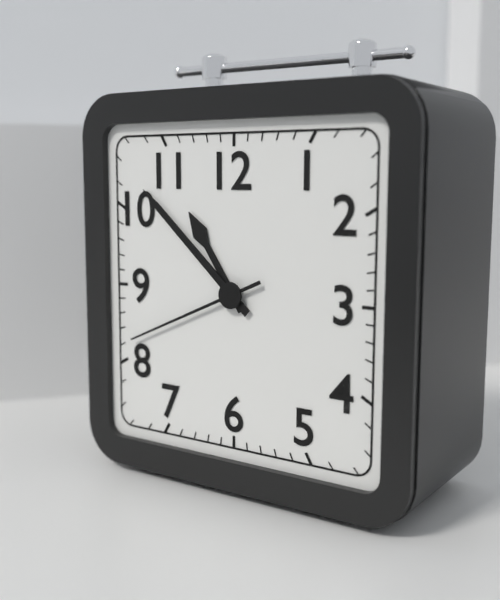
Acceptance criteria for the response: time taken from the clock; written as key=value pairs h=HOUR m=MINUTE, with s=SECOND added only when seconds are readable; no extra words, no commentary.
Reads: h=10 m=52 s=41
